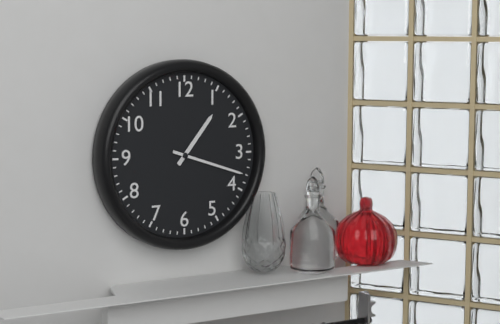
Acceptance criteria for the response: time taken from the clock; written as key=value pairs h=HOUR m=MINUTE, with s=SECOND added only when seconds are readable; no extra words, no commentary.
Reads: h=1 m=18
